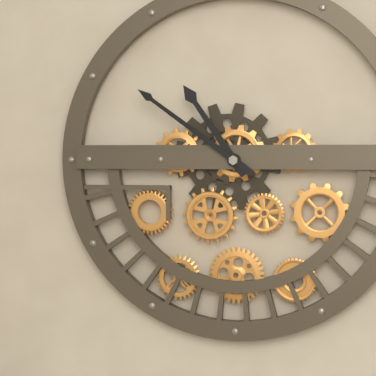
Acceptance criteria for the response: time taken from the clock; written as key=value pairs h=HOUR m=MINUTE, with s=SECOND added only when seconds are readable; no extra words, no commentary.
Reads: h=10 m=51
